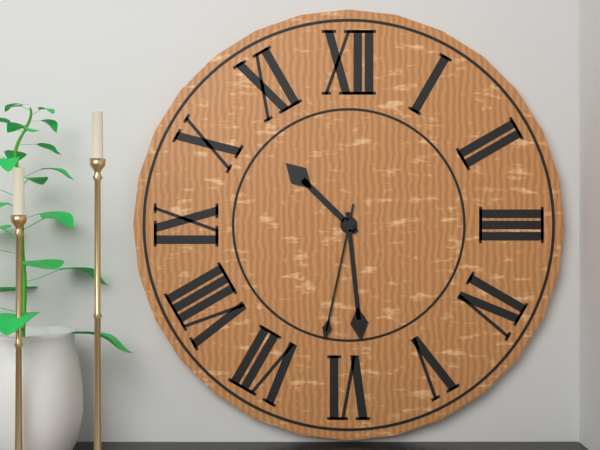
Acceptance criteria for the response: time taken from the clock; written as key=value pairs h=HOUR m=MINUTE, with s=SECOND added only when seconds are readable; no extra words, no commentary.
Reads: h=10 m=29 s=32
